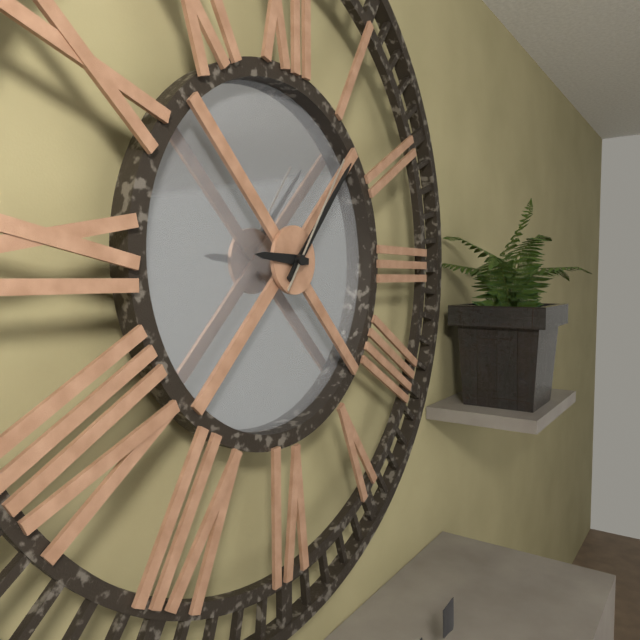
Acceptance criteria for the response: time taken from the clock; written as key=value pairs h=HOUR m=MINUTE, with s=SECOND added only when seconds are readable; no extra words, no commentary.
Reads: h=9 m=7 s=6
